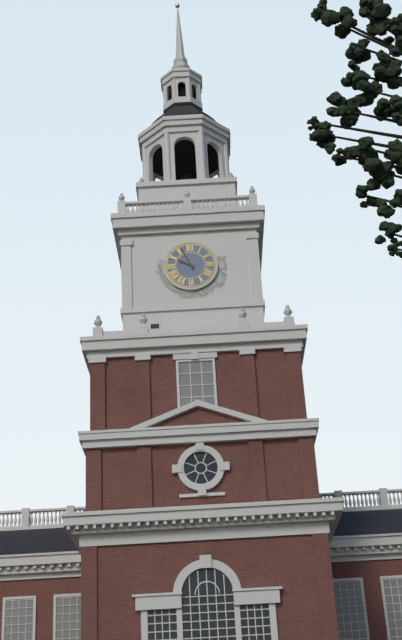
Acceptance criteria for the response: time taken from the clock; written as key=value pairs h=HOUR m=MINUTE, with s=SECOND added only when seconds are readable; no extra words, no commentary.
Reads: h=9 m=56
